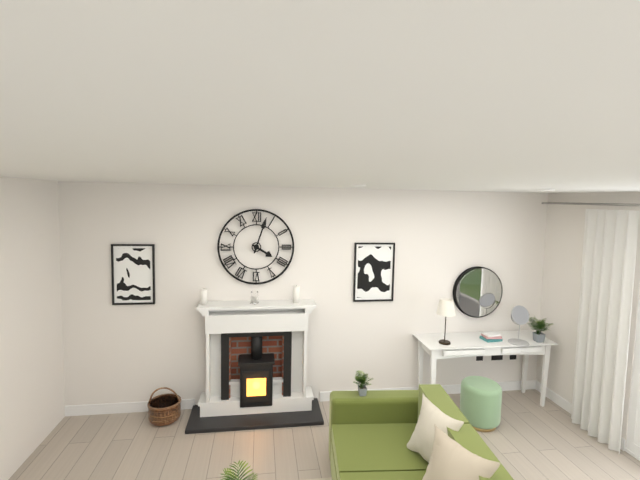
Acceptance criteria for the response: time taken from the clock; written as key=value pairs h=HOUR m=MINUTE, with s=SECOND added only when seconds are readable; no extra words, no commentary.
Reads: h=4 m=3
